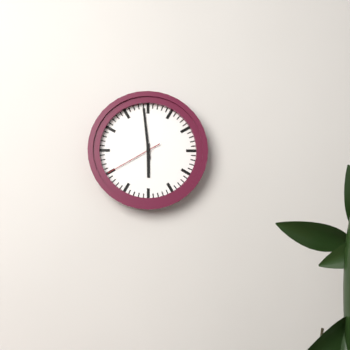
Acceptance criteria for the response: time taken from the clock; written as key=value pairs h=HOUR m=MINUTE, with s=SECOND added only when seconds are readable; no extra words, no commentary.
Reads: h=5 m=59 s=40
